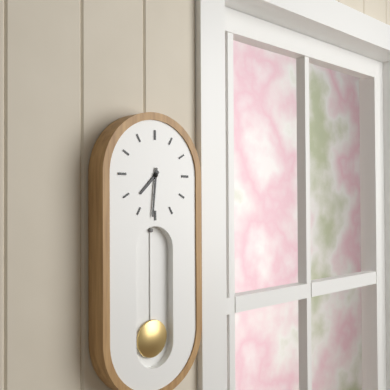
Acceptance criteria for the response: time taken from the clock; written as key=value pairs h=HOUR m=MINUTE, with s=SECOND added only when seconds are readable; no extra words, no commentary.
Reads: h=7 m=31
